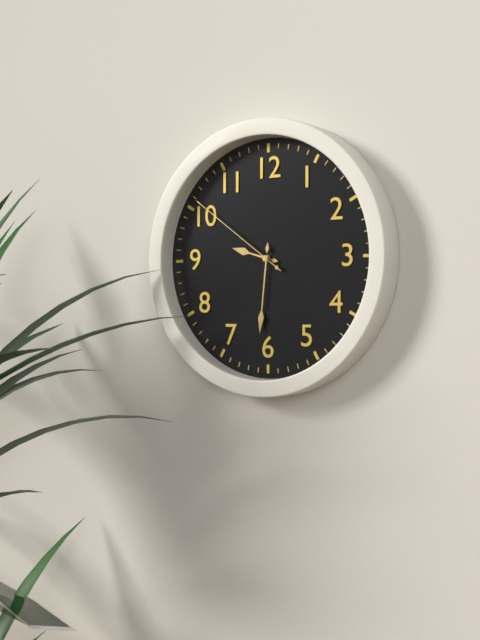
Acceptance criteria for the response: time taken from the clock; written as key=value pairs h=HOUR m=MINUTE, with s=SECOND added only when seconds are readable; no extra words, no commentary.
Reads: h=9 m=31 s=51
